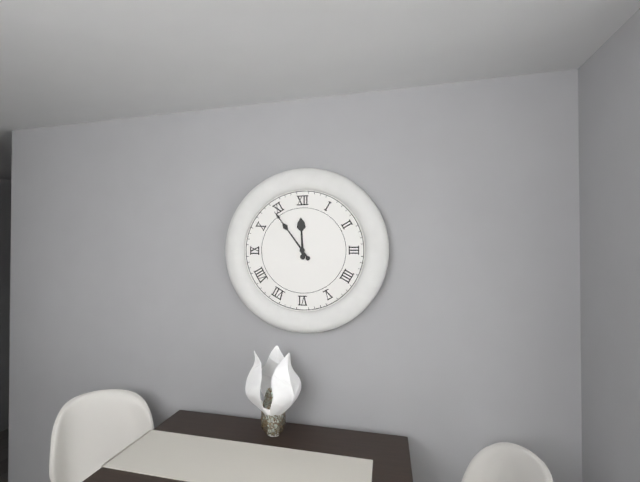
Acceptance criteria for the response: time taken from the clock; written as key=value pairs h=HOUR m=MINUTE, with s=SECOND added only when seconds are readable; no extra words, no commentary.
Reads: h=11 m=54
